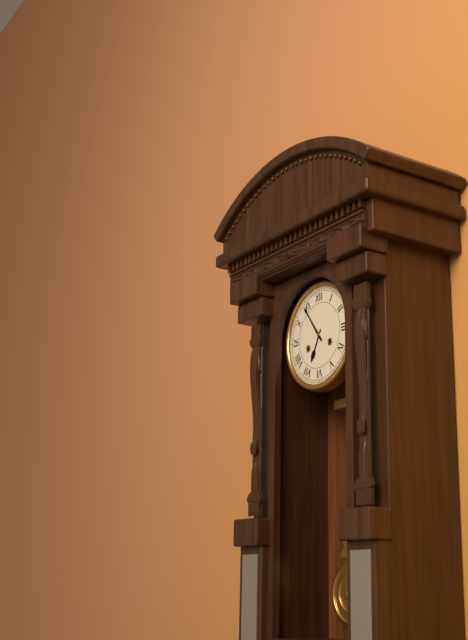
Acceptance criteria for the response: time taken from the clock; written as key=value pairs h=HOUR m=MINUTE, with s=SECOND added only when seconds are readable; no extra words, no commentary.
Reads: h=6 m=54
